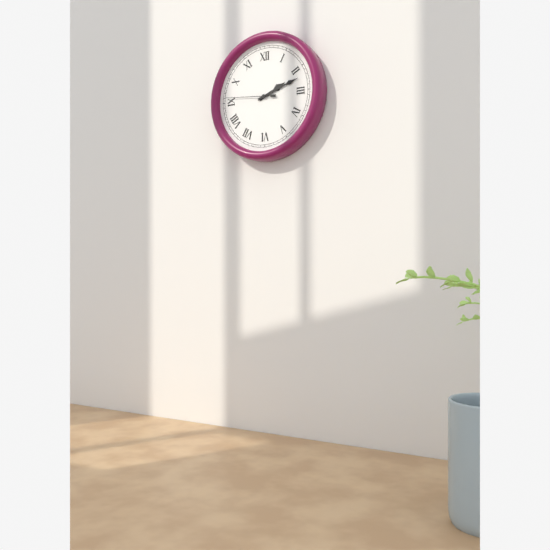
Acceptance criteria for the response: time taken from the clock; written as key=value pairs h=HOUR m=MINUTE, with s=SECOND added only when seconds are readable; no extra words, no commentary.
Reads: h=2 m=12
